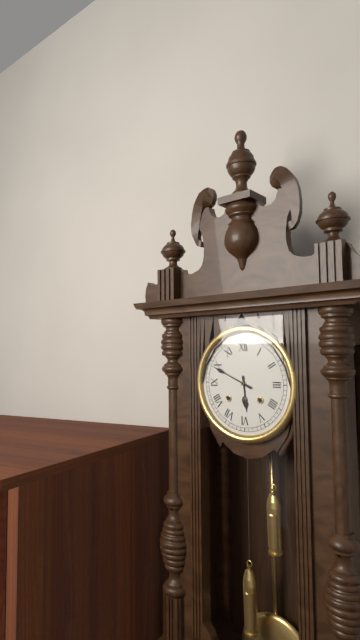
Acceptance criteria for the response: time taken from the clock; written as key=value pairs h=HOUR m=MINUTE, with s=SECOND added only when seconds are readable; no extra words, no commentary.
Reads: h=5 m=49
